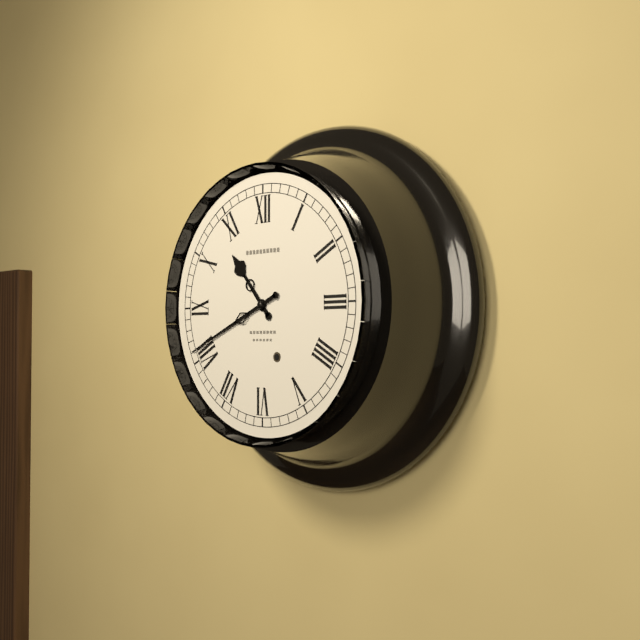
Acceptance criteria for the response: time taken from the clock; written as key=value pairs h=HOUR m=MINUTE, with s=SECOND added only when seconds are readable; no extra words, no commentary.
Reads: h=10 m=41
